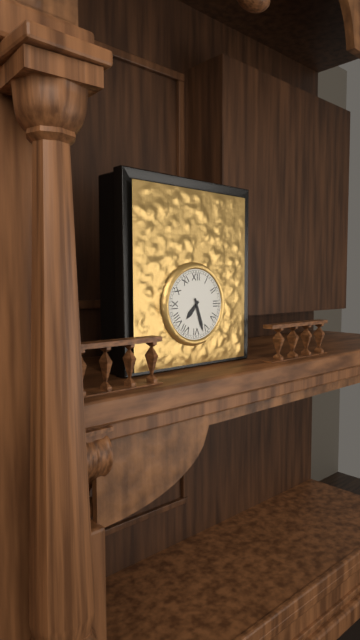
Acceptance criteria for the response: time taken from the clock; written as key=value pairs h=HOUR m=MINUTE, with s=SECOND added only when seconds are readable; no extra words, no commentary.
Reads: h=7 m=27
